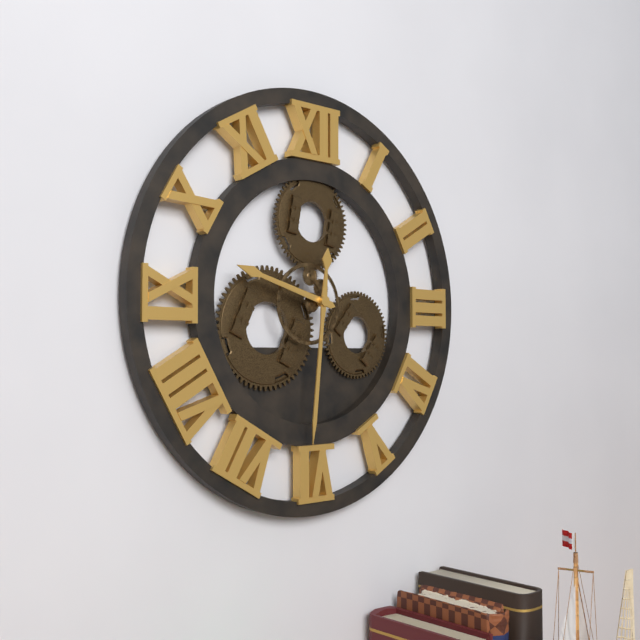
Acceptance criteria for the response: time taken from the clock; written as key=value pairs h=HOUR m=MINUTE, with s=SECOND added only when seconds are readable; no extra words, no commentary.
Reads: h=9 m=31
